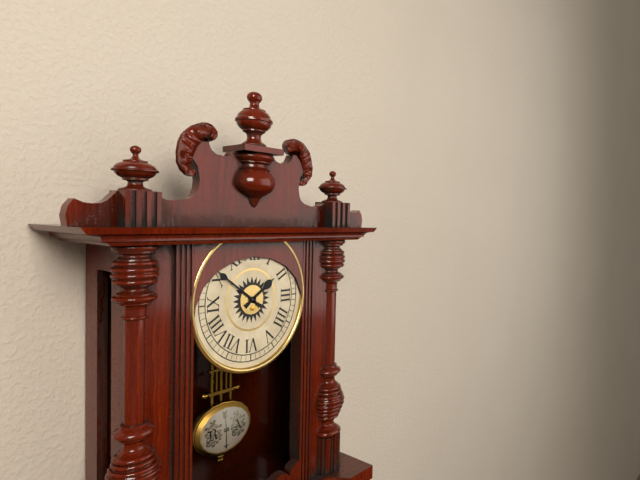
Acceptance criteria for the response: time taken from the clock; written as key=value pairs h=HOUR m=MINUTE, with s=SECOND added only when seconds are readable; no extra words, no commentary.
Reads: h=1 m=51
